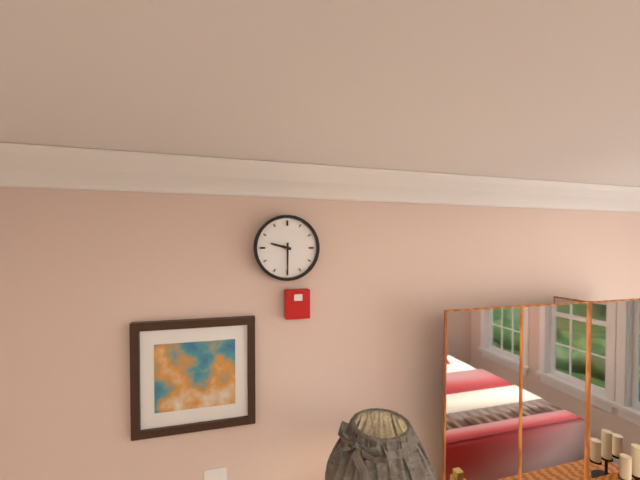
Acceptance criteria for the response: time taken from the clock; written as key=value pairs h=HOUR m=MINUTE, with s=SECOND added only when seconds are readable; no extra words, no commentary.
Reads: h=9 m=30
